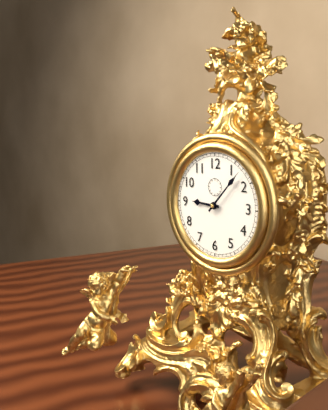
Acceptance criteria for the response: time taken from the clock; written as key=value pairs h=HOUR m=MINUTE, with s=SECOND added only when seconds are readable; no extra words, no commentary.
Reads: h=9 m=7
